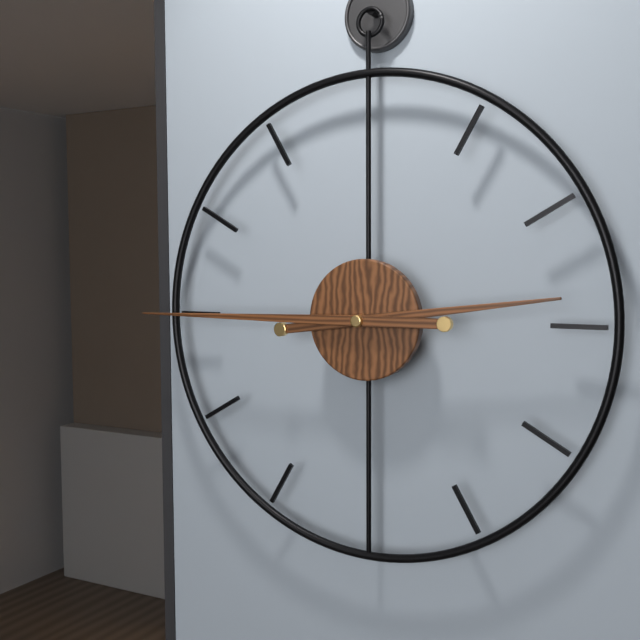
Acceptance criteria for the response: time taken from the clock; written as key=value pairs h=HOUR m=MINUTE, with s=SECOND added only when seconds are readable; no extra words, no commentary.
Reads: h=2 m=45
